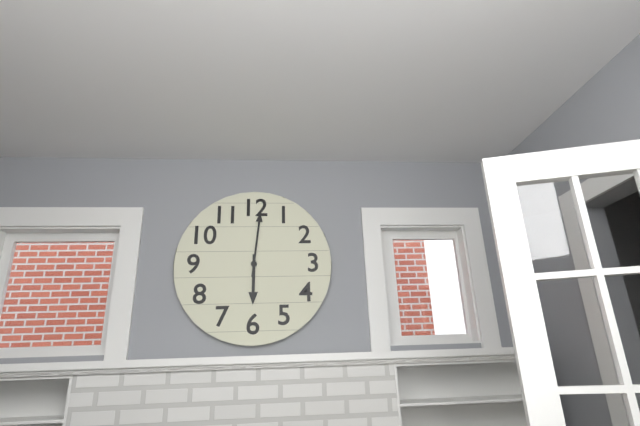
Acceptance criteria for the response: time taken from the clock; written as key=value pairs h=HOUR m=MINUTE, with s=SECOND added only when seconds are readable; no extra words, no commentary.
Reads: h=6 m=1
